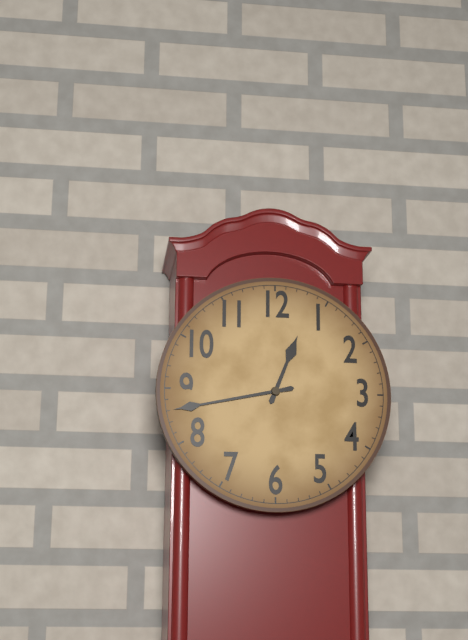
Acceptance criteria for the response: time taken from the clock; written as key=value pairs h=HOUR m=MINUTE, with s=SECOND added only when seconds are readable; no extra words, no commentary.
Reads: h=12 m=43
